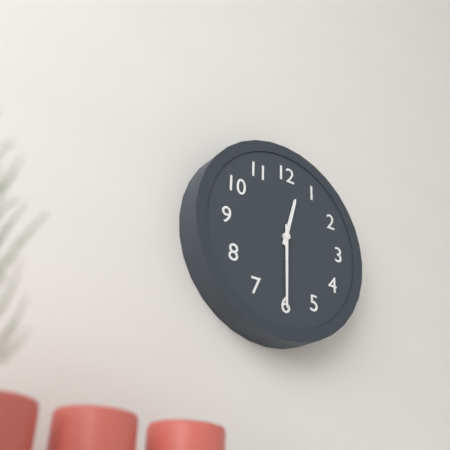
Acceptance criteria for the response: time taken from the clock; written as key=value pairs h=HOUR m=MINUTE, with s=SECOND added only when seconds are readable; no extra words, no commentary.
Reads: h=12 m=30
